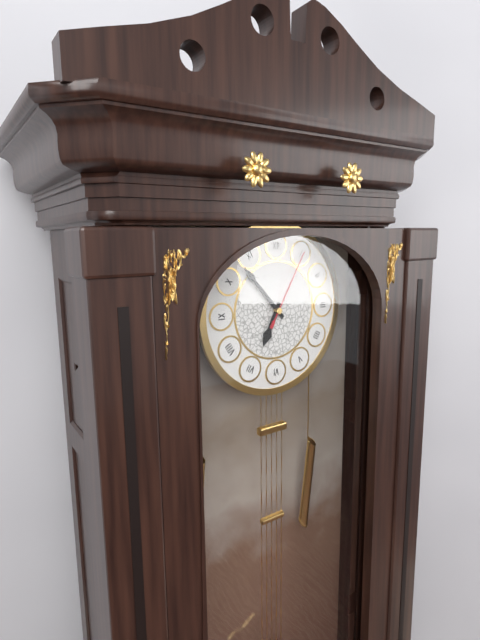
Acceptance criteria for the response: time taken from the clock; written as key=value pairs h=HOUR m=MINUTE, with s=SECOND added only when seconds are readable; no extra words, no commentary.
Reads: h=6 m=53 s=5
